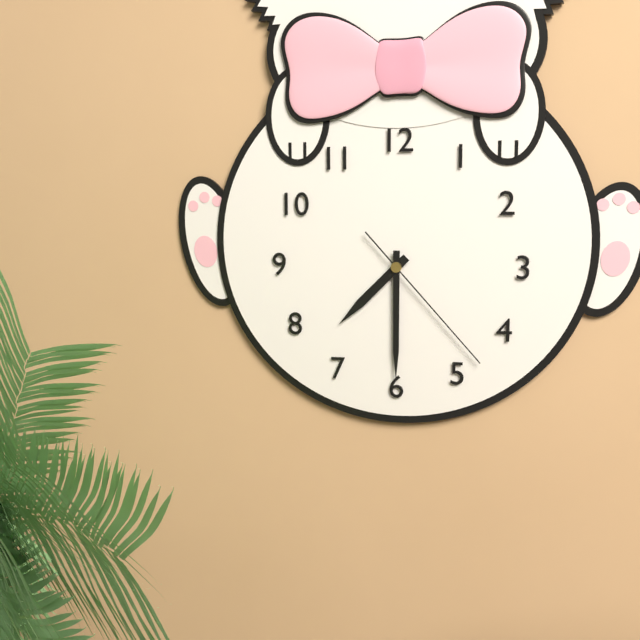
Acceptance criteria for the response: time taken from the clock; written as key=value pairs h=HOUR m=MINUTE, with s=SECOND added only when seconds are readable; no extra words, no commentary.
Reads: h=7 m=30 s=23
